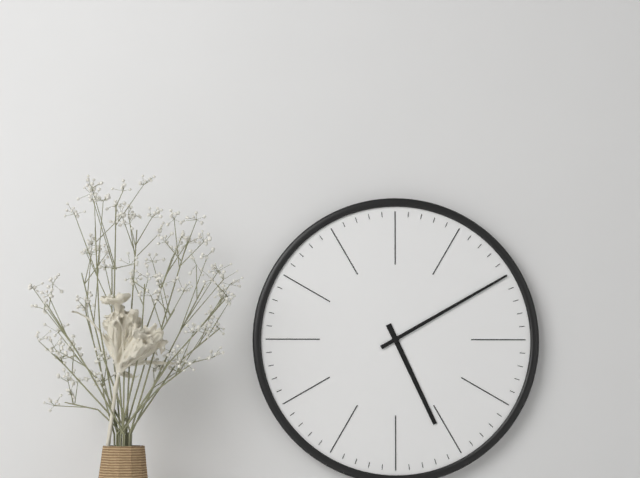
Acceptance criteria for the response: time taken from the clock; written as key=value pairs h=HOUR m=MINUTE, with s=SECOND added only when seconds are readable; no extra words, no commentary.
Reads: h=5 m=10
